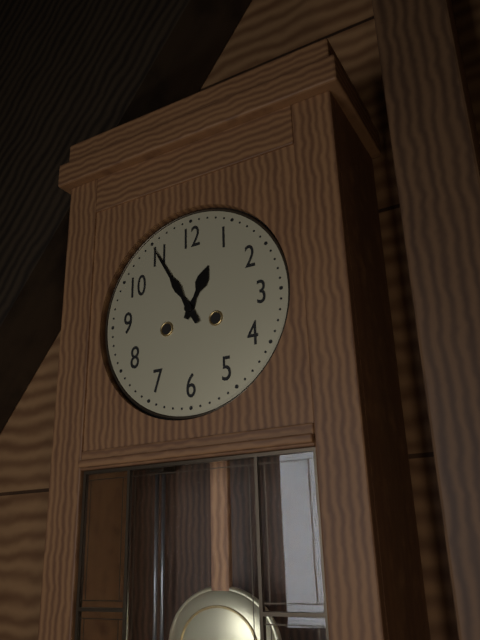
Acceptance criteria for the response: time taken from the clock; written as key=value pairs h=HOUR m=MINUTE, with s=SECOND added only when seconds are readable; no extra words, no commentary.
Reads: h=12 m=55
